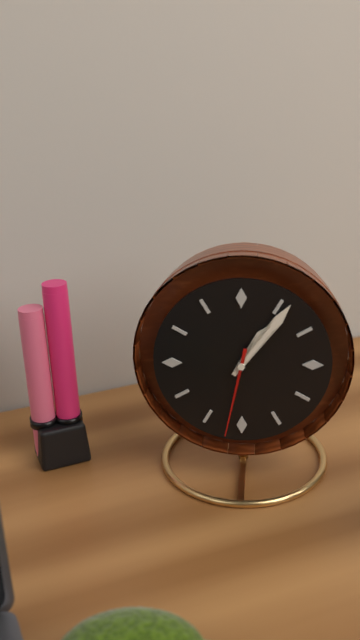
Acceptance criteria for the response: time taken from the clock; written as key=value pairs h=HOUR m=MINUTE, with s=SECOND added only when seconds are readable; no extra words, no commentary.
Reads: h=1 m=6 s=32
